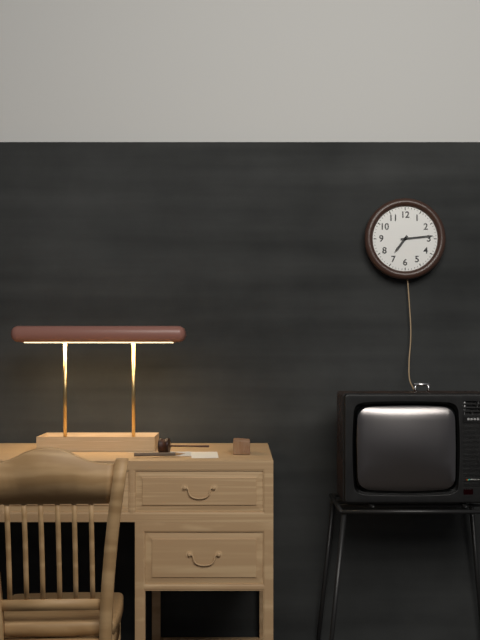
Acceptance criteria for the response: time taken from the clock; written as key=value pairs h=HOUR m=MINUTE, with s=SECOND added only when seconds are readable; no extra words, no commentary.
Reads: h=7 m=14
